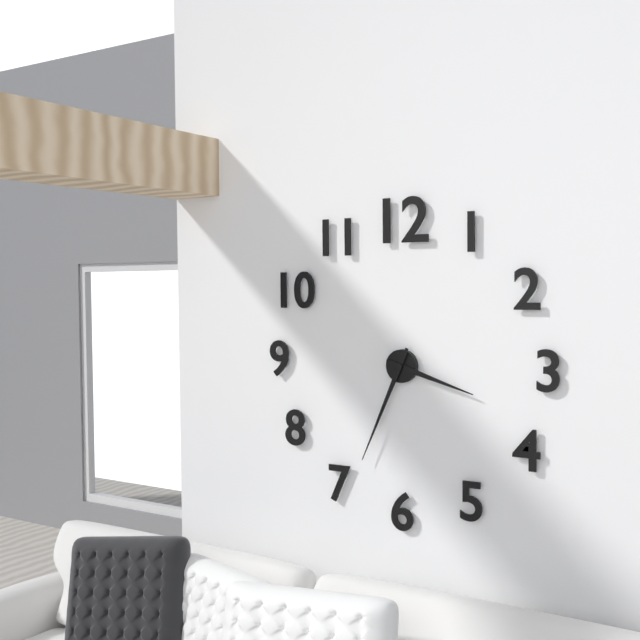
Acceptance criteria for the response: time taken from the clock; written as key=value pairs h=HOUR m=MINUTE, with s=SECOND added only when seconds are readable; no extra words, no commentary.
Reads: h=3 m=34
